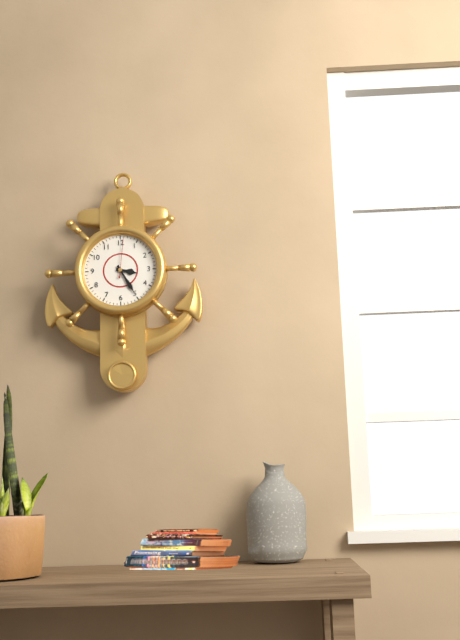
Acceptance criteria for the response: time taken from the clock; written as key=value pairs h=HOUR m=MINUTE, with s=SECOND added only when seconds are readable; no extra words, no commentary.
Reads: h=3 m=25
